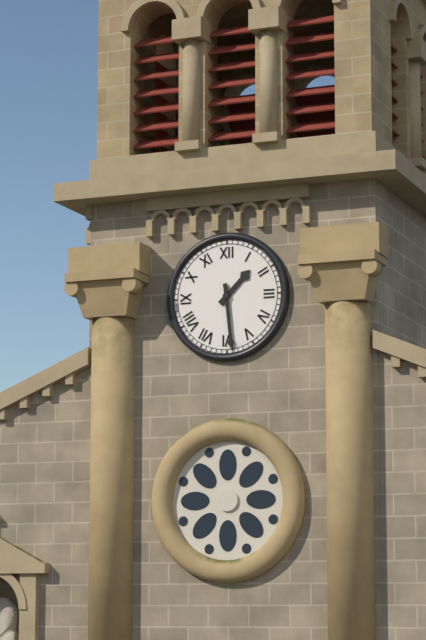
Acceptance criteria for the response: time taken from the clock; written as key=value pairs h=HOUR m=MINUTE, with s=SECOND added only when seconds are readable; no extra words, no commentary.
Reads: h=1 m=29
